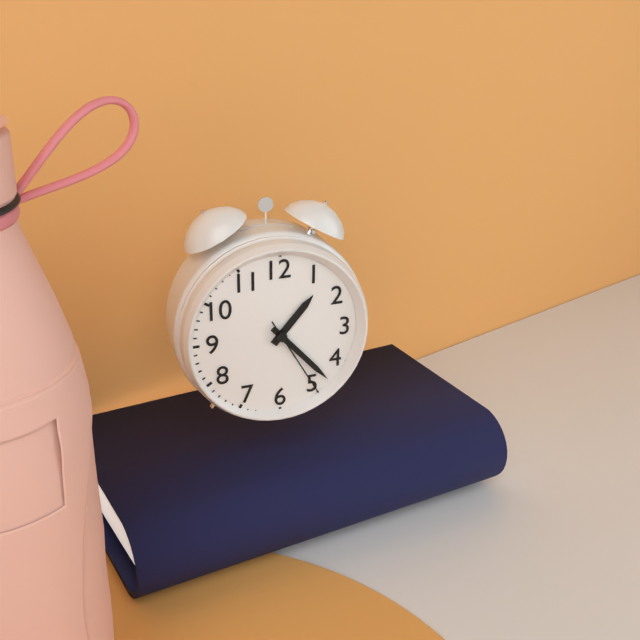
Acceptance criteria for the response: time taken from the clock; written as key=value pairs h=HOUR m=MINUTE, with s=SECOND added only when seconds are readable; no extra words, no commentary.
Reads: h=1 m=23 s=25
